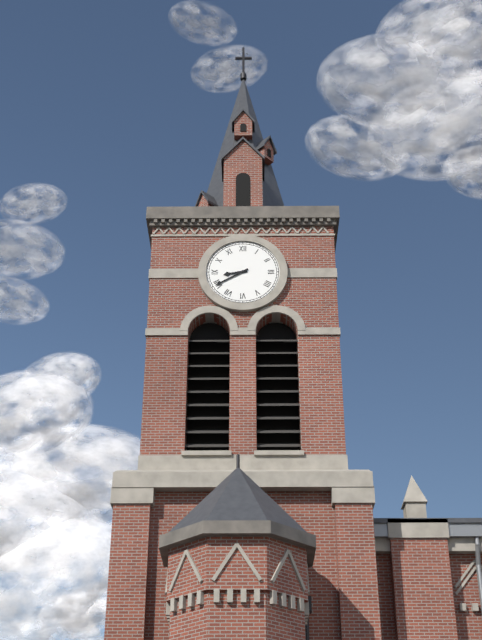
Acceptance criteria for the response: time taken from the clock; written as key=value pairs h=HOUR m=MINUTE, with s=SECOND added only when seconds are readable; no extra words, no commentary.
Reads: h=8 m=40
